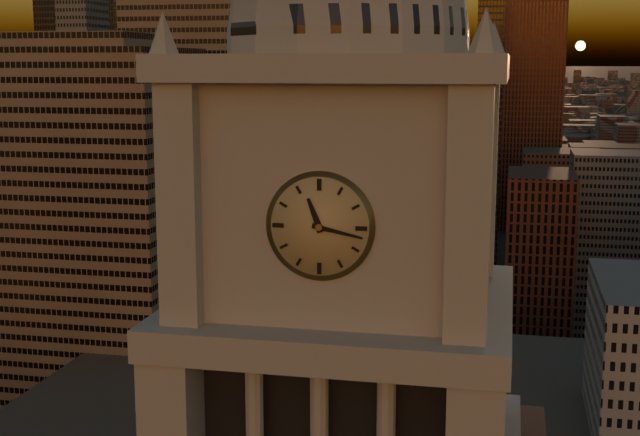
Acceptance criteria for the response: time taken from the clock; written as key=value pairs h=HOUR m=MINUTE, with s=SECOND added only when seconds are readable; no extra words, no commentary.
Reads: h=11 m=17
